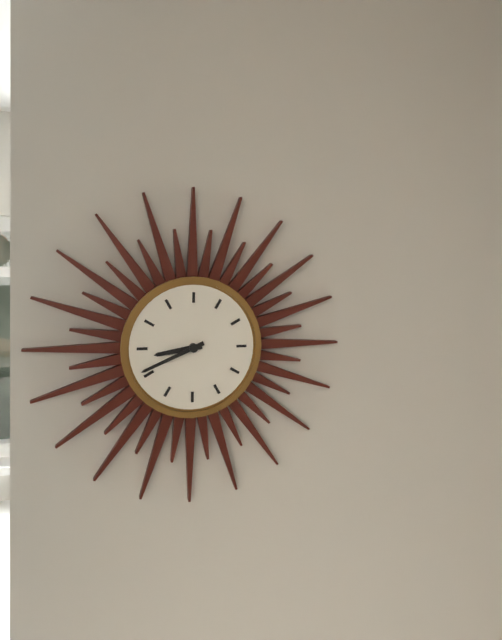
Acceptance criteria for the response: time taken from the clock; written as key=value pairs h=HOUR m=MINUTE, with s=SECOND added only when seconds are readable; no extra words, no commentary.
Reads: h=8 m=41
